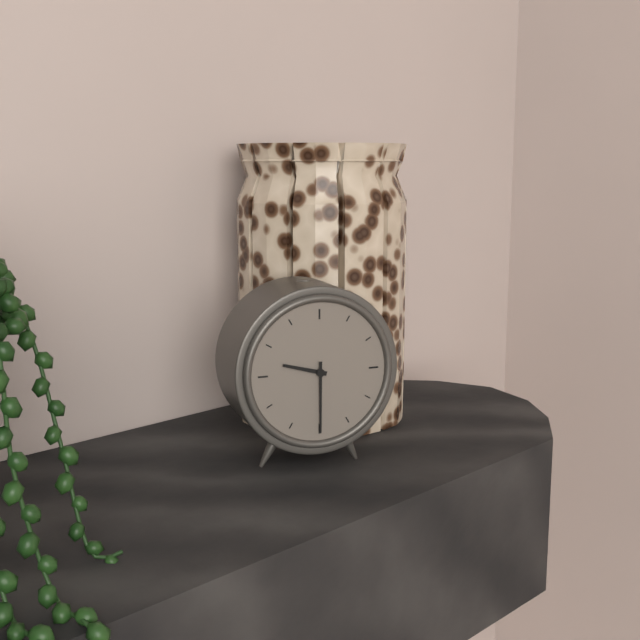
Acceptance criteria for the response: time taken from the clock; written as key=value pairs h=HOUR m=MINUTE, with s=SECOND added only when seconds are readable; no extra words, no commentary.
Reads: h=9 m=30
